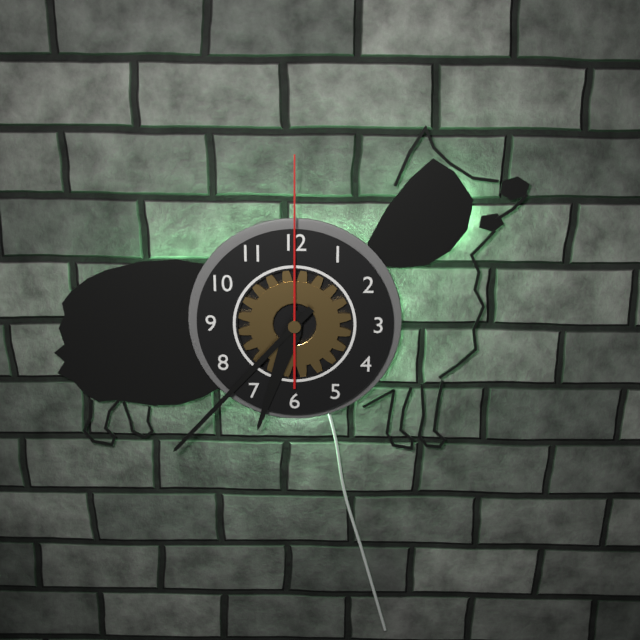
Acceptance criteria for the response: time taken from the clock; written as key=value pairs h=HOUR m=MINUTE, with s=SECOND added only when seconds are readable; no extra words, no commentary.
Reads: h=6 m=37 s=0
